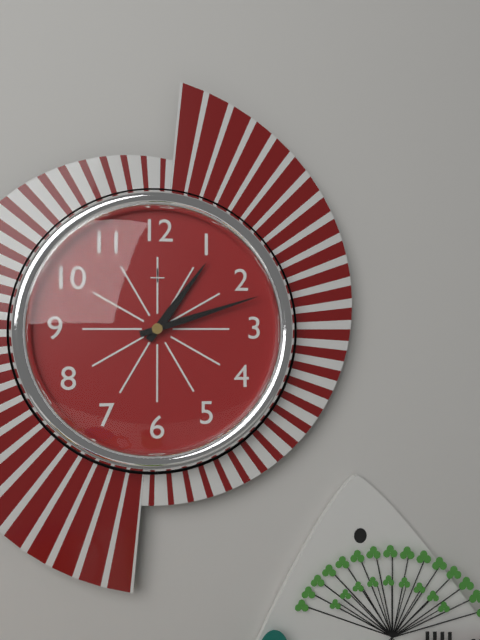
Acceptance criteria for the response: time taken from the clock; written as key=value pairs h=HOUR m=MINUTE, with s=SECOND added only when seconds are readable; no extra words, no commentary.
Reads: h=1 m=12
